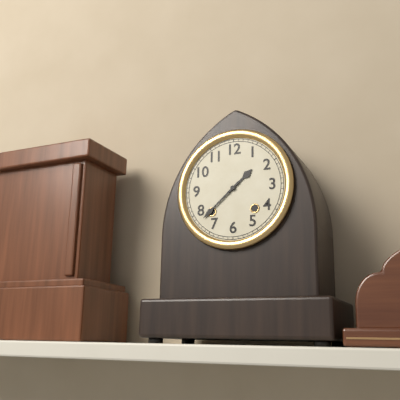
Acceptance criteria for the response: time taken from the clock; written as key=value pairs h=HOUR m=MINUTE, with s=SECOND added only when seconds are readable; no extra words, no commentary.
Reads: h=1 m=38
